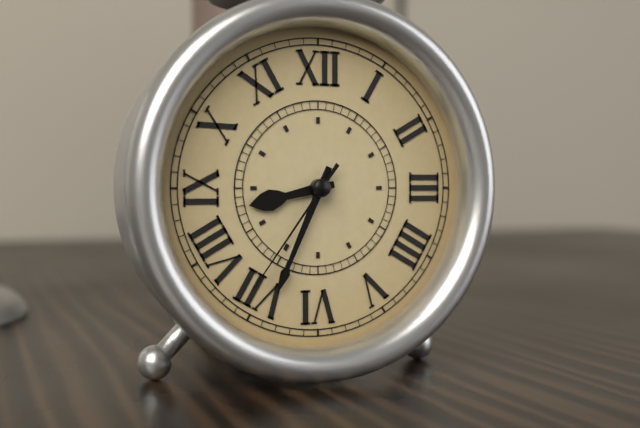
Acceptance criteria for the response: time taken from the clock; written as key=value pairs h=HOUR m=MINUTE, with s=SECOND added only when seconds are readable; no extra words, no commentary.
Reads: h=8 m=34 s=36
